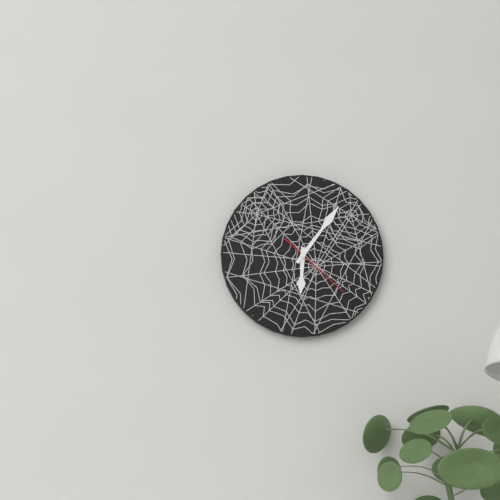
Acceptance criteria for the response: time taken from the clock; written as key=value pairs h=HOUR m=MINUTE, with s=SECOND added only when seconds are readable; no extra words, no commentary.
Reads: h=6 m=6 s=22
